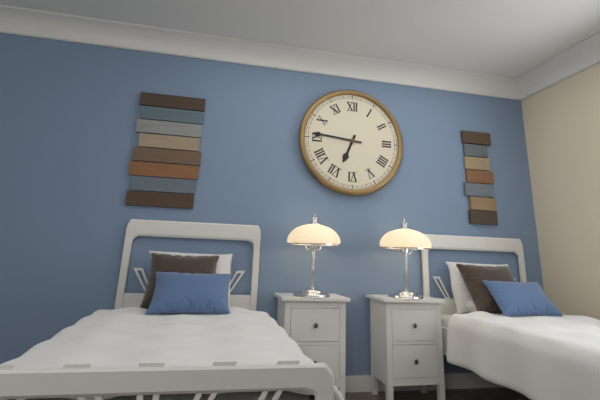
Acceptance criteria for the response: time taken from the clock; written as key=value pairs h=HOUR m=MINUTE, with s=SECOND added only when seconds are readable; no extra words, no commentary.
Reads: h=6 m=46
